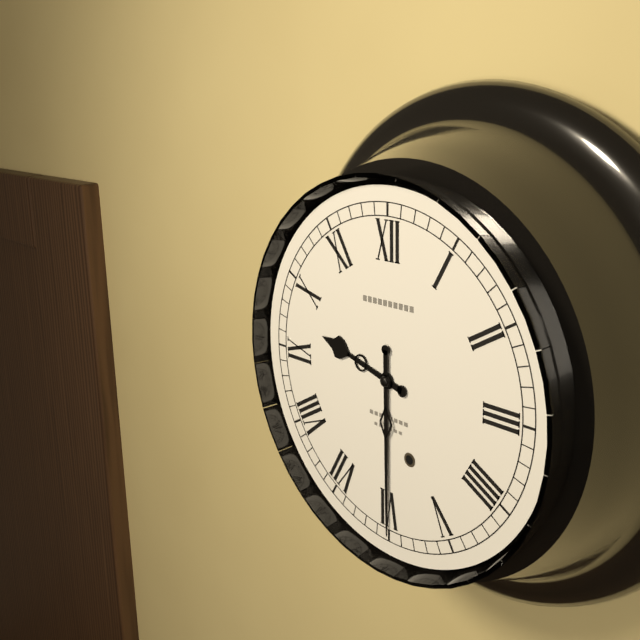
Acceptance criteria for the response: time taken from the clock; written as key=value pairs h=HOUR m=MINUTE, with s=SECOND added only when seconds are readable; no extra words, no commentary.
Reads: h=9 m=30
